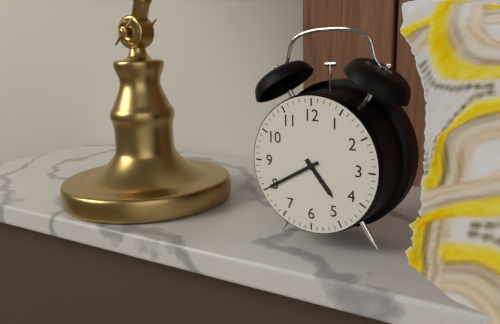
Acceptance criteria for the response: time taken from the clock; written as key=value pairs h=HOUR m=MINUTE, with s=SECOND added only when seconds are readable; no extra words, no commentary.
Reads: h=4 m=40
